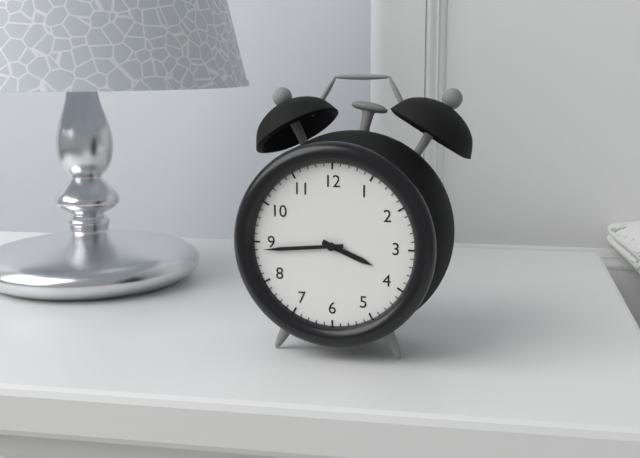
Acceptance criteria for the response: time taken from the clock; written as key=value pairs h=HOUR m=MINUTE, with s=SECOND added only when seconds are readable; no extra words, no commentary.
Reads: h=3 m=44
